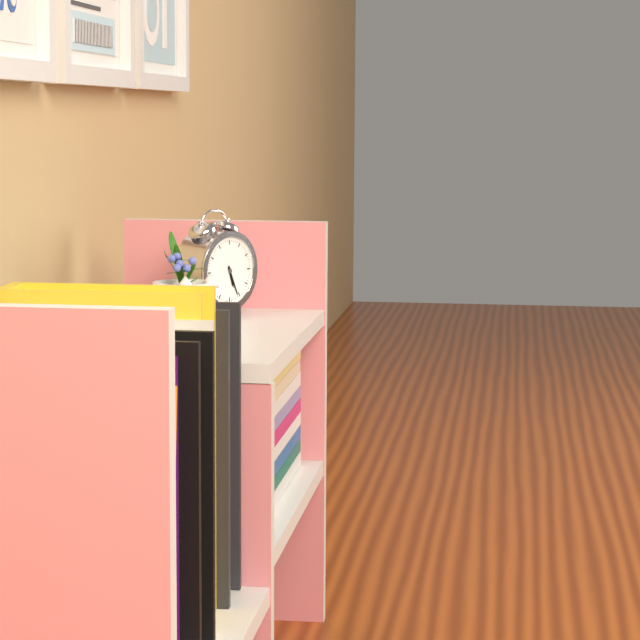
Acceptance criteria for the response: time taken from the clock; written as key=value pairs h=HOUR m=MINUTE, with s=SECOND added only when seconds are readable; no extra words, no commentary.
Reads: h=5 m=26
